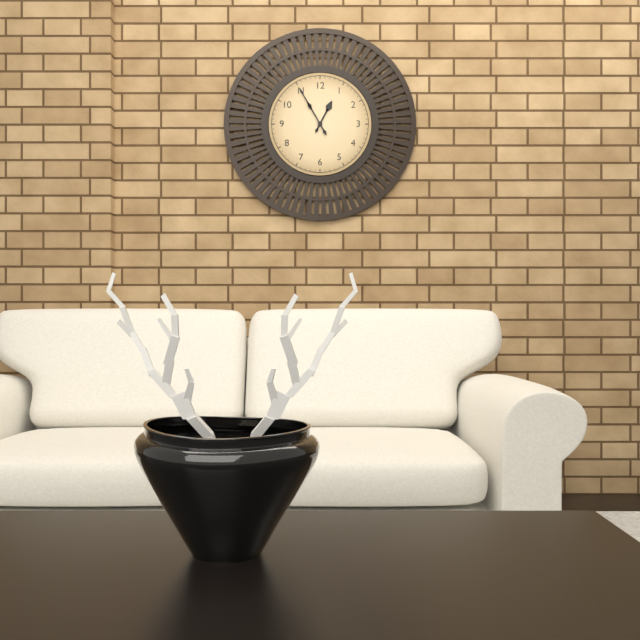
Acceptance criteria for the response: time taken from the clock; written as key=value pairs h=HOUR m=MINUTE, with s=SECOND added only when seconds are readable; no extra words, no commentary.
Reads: h=12 m=55
